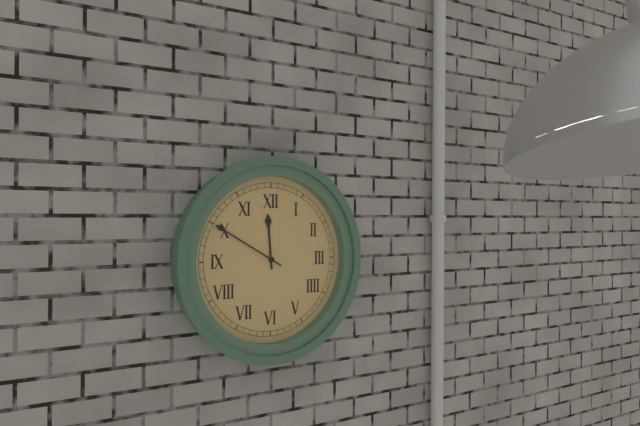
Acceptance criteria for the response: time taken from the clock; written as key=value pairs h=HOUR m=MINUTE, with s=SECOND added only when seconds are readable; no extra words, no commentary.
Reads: h=11 m=50
